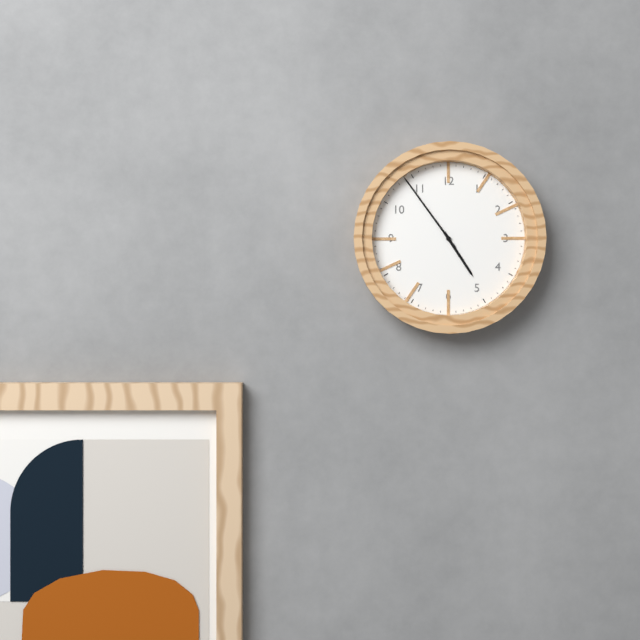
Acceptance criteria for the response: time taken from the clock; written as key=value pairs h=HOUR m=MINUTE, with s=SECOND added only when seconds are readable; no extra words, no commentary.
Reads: h=4 m=54
